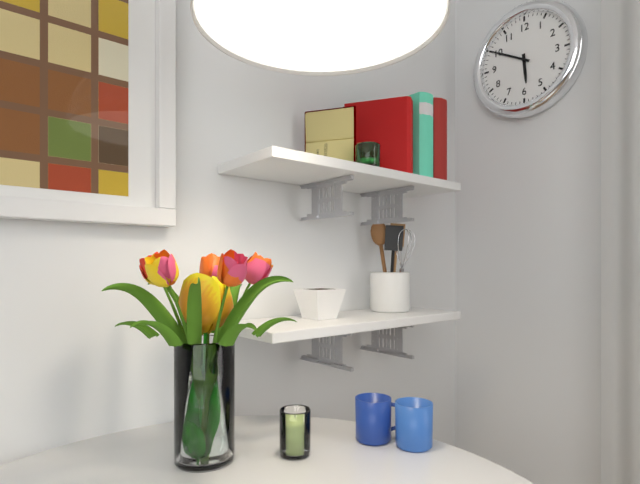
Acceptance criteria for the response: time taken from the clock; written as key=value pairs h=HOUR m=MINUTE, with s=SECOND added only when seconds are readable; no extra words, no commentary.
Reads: h=5 m=50
